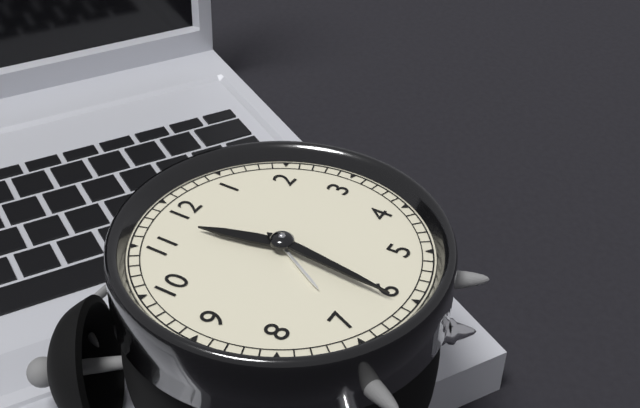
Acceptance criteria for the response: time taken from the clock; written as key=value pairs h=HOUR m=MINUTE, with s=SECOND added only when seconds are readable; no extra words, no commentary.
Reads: h=11 m=31
